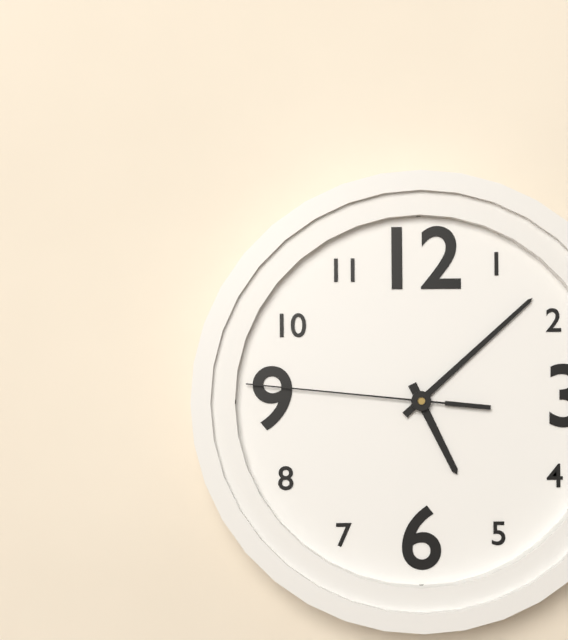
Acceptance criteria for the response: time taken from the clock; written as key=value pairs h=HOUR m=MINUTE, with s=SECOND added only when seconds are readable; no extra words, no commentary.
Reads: h=5 m=8 s=46
